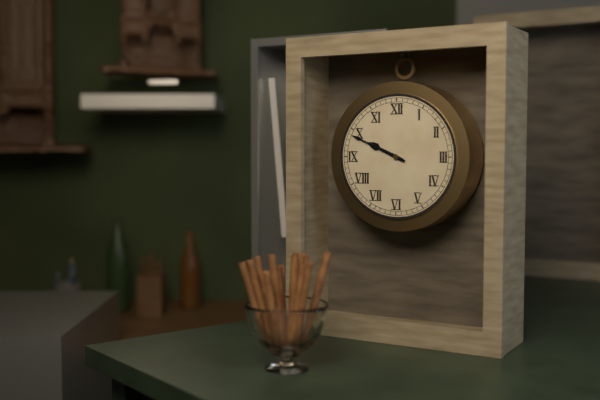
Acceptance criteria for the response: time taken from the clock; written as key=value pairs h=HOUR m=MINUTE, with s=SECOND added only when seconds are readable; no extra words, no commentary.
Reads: h=9 m=49
